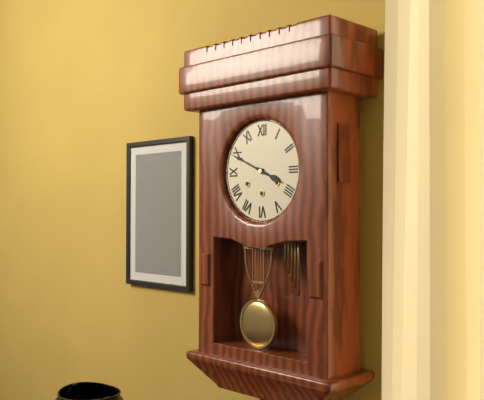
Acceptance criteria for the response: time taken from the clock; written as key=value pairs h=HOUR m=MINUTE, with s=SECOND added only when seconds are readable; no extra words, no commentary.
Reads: h=3 m=49
